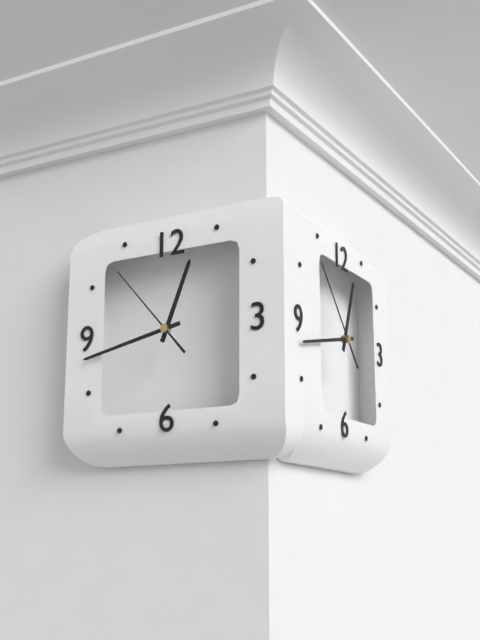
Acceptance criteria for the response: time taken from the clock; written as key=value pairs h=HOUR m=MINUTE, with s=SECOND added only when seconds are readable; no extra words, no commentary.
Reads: h=12 m=43 s=53
